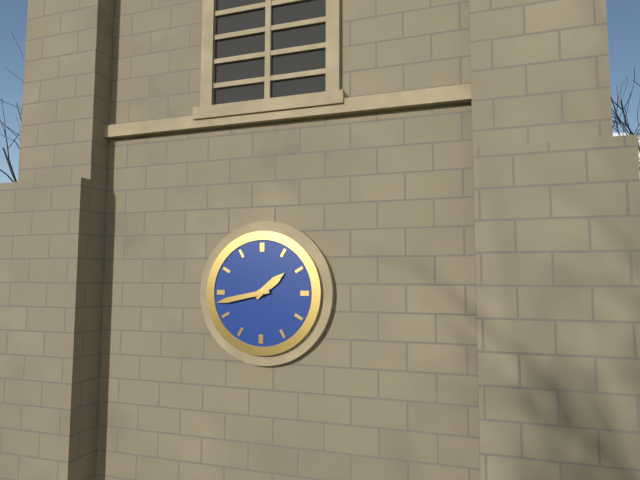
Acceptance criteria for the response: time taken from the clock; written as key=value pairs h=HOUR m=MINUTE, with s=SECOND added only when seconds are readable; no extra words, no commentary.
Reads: h=1 m=43
